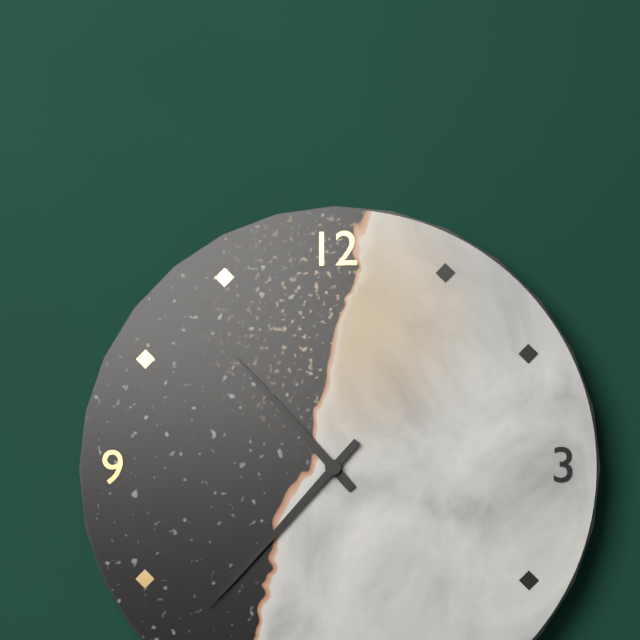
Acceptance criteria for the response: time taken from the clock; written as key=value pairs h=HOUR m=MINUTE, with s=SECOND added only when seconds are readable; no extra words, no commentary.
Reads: h=10 m=37
